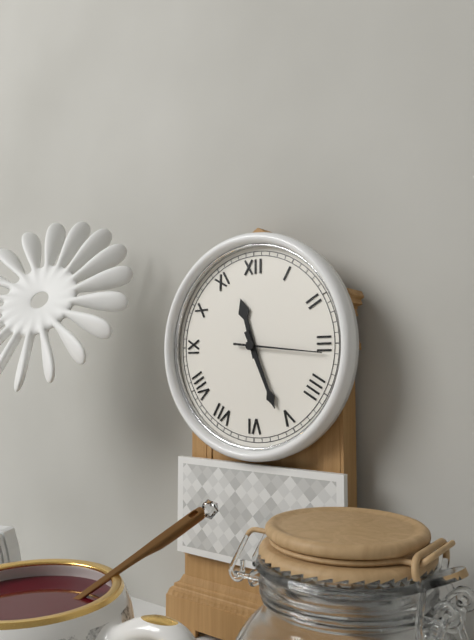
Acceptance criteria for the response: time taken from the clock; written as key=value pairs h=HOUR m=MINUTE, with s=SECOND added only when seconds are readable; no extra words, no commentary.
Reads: h=11 m=26 s=16
